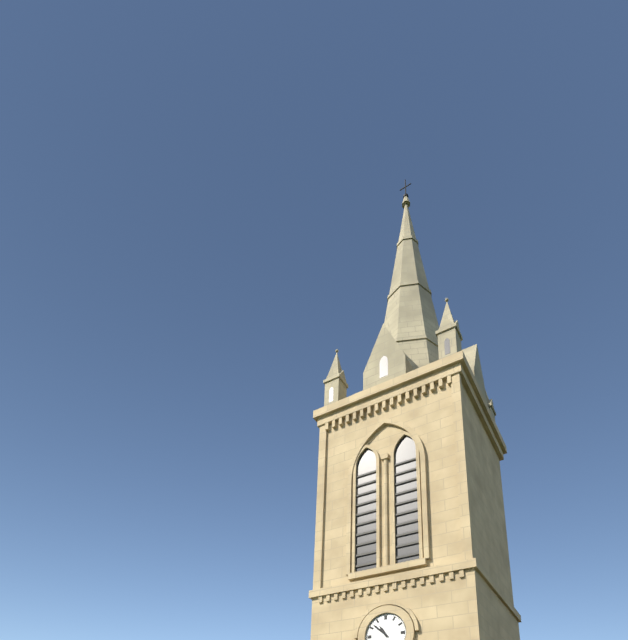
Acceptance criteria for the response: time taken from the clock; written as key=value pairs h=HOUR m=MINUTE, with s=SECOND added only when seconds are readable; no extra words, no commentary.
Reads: h=10 m=52
